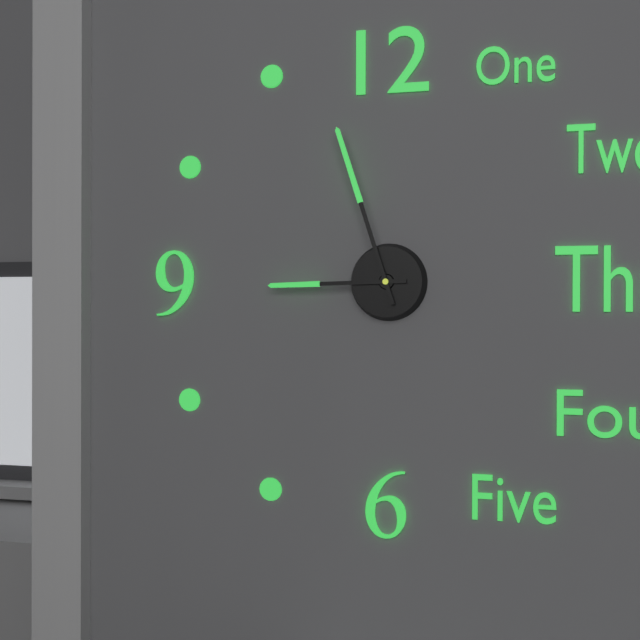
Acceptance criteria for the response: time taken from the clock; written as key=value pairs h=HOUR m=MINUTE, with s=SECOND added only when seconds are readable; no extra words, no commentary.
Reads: h=8 m=57
